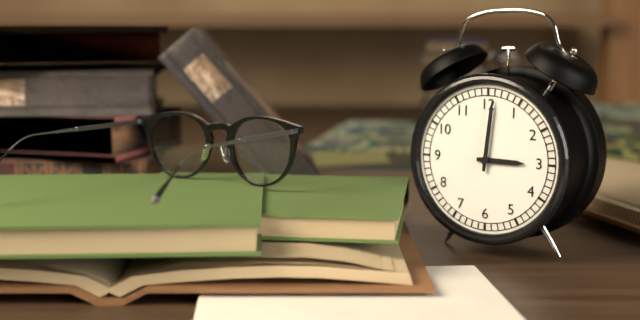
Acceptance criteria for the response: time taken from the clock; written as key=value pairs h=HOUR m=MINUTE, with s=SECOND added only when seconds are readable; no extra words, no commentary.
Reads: h=3 m=1
